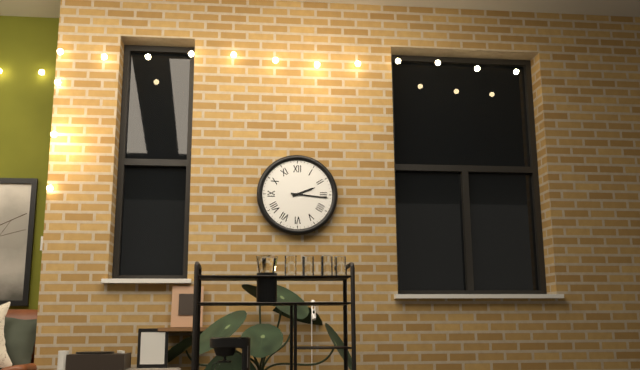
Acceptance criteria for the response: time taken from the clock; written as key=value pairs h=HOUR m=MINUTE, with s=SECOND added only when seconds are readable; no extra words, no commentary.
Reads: h=2 m=16
